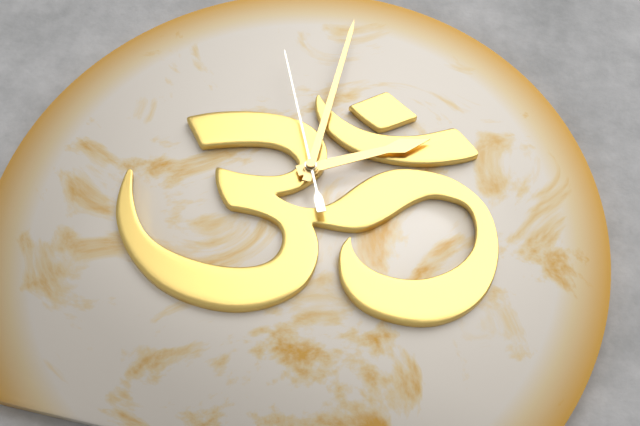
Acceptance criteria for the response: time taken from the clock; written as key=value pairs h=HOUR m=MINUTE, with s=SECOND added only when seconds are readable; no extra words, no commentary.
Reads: h=2 m=0 s=56
